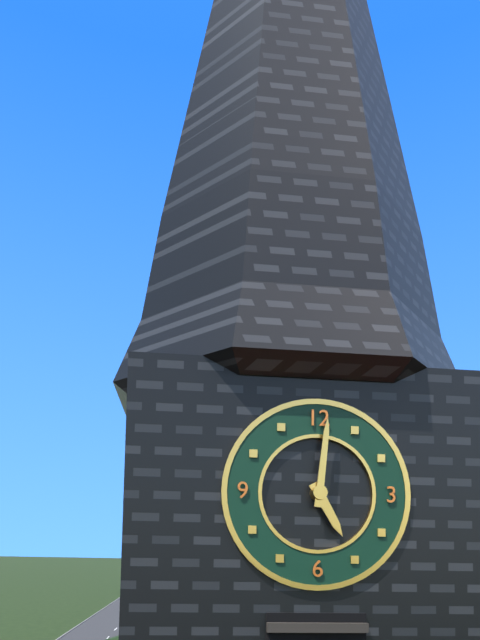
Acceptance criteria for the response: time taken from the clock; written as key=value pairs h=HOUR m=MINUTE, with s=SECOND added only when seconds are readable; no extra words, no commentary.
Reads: h=5 m=1
